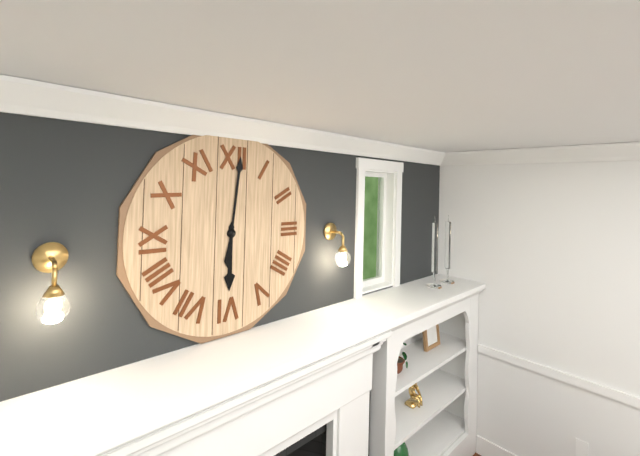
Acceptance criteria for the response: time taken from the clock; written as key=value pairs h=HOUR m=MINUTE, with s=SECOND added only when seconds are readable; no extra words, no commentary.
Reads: h=6 m=1
